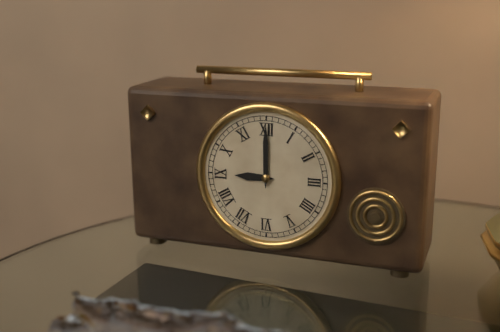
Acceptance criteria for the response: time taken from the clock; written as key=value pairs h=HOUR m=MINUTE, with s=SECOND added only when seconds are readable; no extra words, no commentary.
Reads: h=9 m=0
